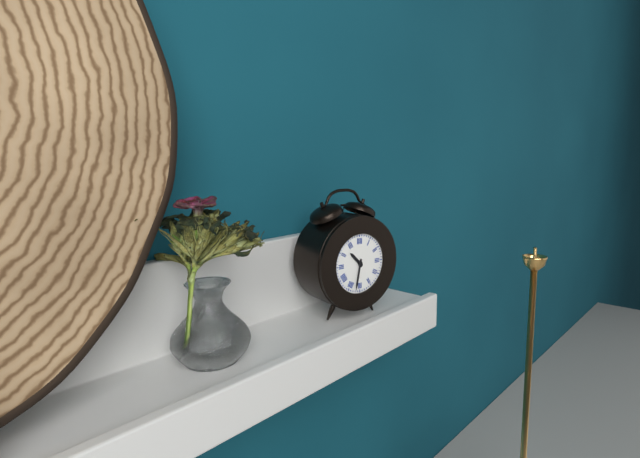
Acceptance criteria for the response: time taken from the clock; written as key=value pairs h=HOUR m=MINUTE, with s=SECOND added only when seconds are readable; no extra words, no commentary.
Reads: h=10 m=32
